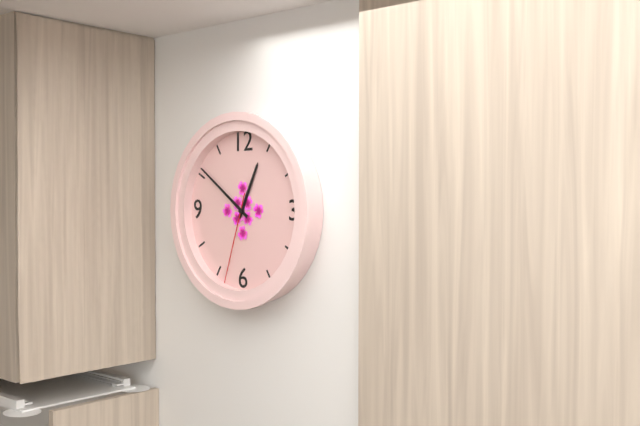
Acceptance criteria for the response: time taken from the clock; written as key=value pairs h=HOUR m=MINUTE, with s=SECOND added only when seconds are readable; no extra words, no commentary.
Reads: h=12 m=51 s=33
